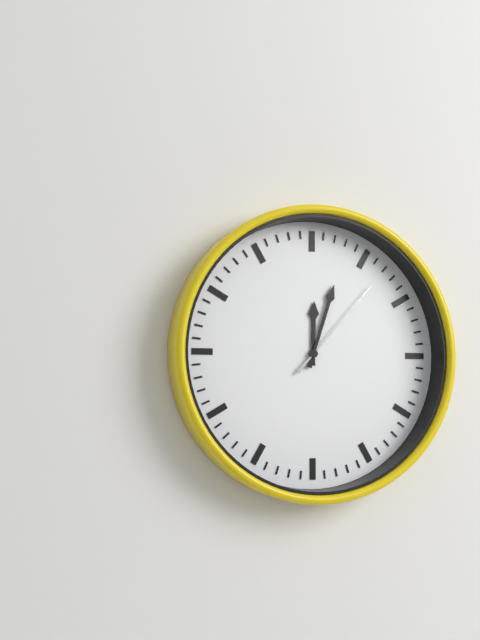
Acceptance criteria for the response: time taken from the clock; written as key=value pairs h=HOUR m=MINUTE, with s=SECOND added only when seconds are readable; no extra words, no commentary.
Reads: h=12 m=3 s=7
